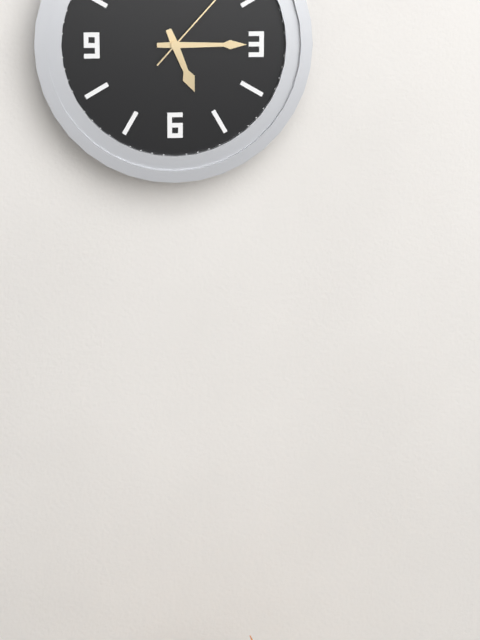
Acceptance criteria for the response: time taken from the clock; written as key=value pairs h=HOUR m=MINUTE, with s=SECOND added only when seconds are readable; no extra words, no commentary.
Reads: h=5 m=15
